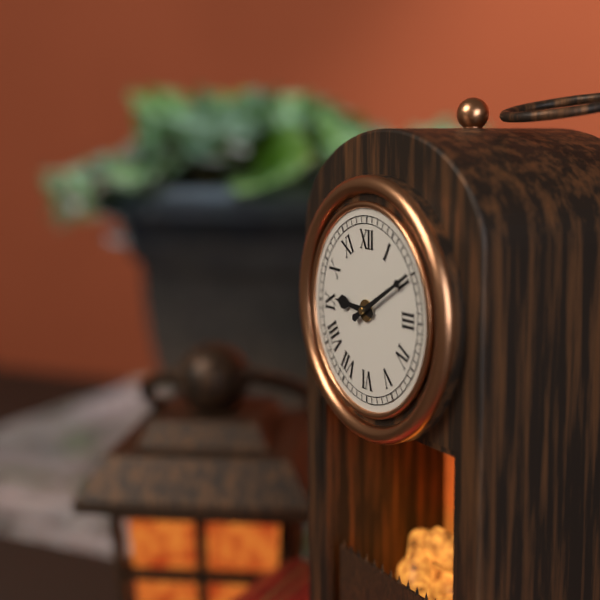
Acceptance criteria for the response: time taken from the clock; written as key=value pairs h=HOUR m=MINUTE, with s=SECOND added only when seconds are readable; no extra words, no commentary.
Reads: h=9 m=10
